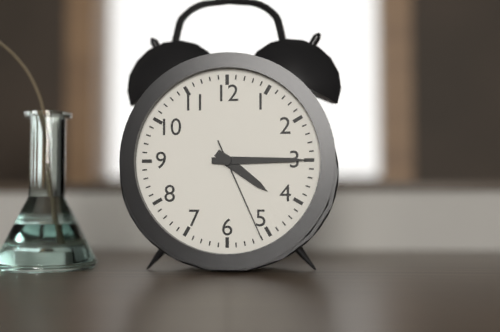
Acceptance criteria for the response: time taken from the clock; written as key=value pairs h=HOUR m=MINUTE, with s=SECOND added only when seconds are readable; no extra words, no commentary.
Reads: h=4 m=15 s=26
